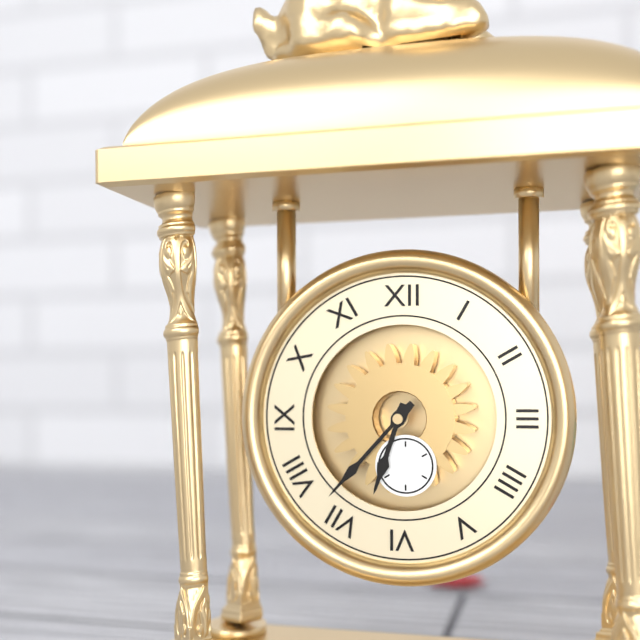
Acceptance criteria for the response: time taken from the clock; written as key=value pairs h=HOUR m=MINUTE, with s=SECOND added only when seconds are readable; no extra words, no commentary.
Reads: h=6 m=37
